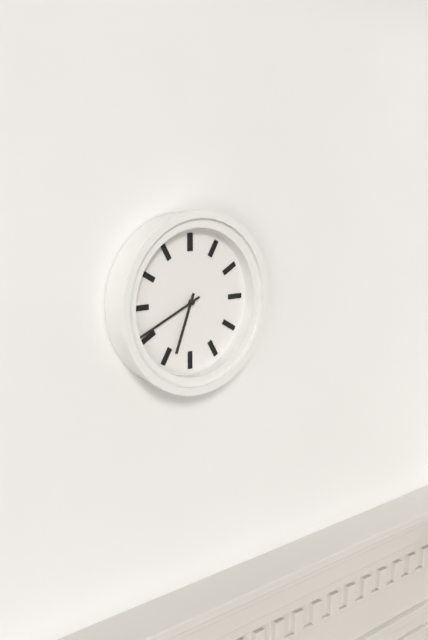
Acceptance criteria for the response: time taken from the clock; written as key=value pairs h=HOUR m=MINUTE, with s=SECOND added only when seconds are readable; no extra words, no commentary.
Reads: h=6 m=41
